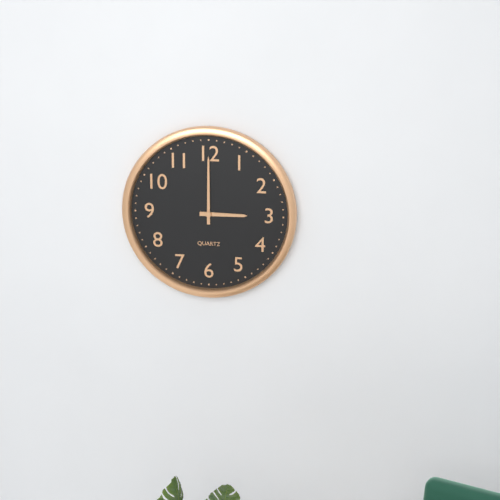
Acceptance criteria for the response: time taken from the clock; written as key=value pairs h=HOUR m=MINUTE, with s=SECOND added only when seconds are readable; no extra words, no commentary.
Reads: h=3 m=0
